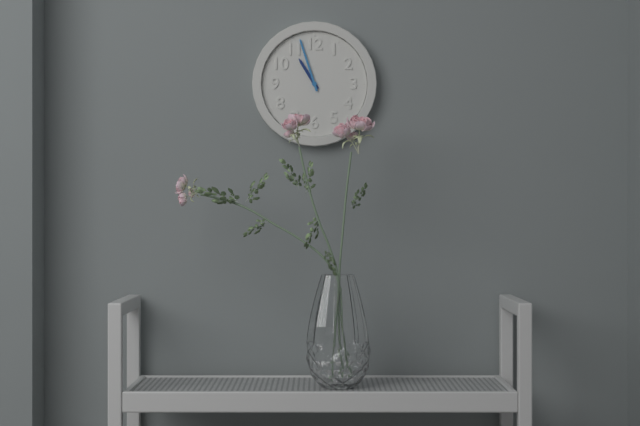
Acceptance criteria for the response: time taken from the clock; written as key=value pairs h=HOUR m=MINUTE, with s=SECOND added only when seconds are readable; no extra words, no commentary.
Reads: h=10 m=57
